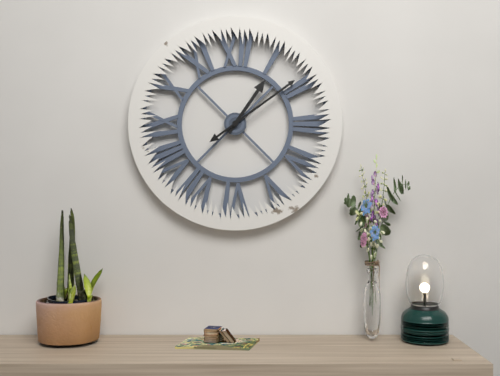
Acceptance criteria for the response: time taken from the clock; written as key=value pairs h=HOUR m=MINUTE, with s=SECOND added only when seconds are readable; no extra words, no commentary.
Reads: h=1 m=9
